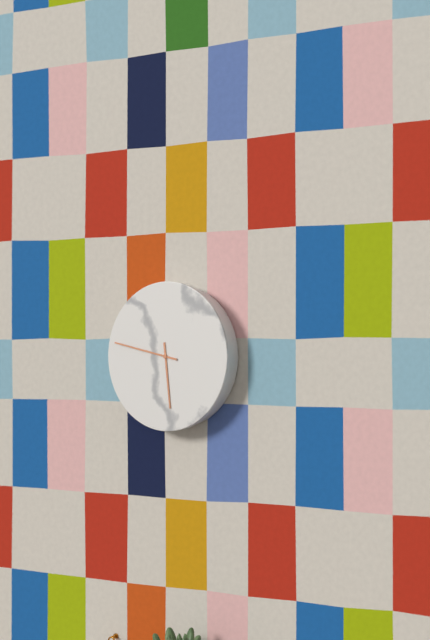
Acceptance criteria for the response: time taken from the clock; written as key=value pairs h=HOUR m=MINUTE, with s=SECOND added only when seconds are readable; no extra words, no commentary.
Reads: h=5 m=47
